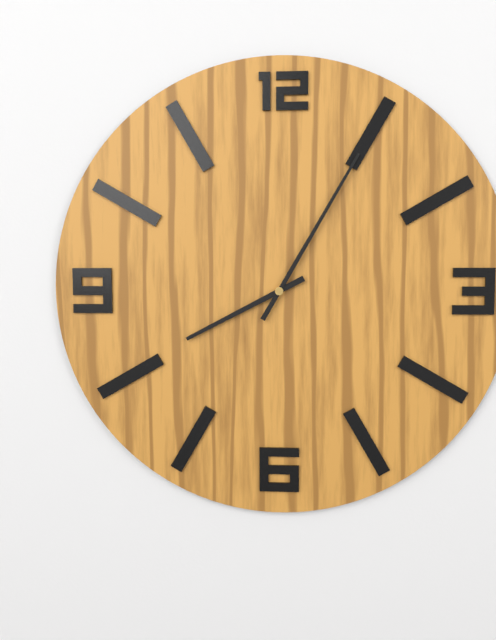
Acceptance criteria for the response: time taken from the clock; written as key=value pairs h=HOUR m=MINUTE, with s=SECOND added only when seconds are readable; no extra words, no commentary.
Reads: h=8 m=5
